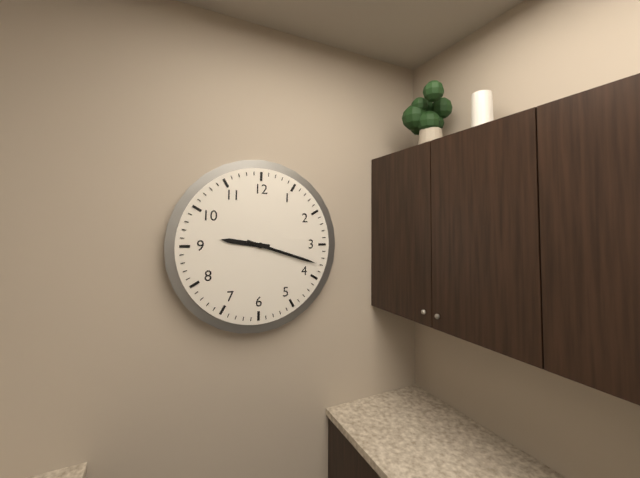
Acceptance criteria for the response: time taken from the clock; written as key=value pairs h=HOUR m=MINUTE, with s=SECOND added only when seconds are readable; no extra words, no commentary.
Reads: h=9 m=18
